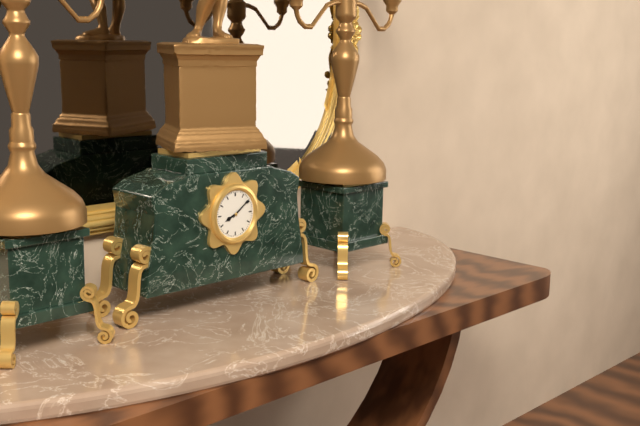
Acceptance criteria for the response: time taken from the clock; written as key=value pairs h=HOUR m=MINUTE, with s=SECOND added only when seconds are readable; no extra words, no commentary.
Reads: h=8 m=9
